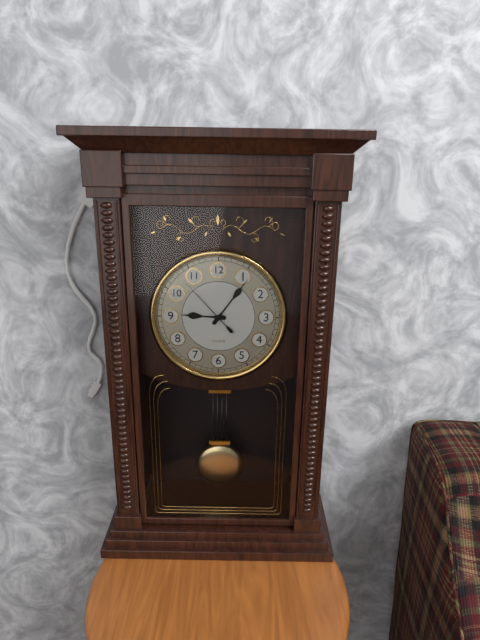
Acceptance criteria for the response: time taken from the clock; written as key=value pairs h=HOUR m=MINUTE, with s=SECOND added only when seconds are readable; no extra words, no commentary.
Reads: h=9 m=6 s=53
